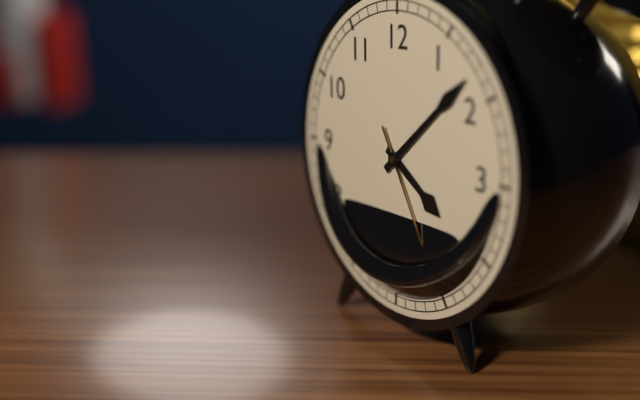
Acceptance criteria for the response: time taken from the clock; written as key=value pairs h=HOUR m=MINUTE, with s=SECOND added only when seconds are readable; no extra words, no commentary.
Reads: h=4 m=8 s=25
